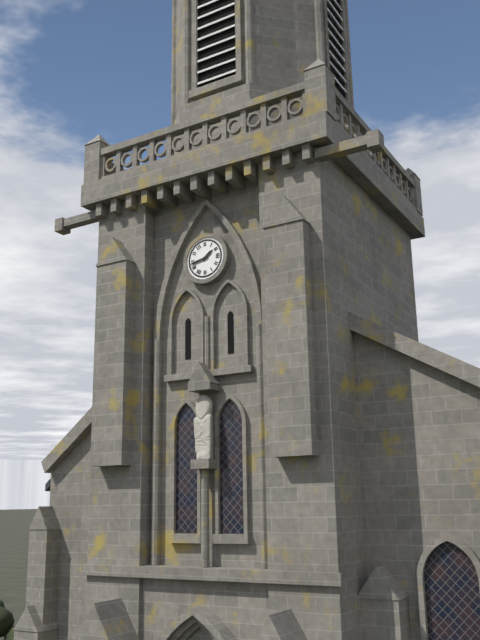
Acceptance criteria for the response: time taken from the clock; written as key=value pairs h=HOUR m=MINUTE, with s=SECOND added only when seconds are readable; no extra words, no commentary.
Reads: h=1 m=43
